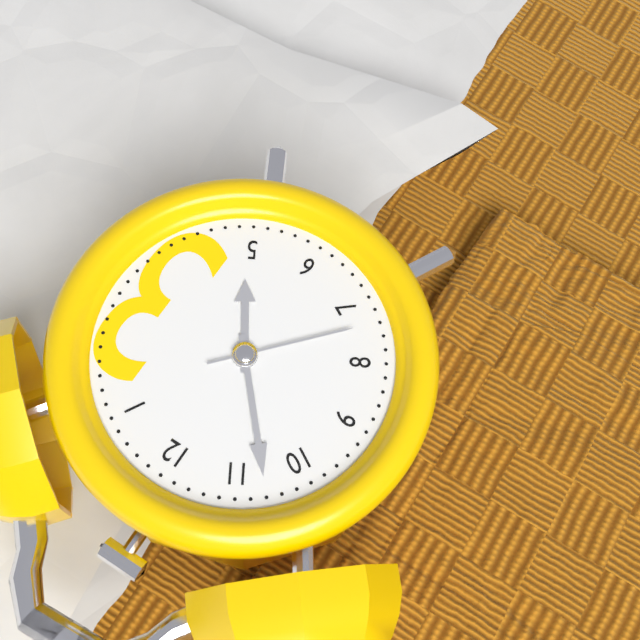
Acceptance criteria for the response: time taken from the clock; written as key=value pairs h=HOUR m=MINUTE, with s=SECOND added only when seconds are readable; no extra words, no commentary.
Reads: h=4 m=53 s=37
